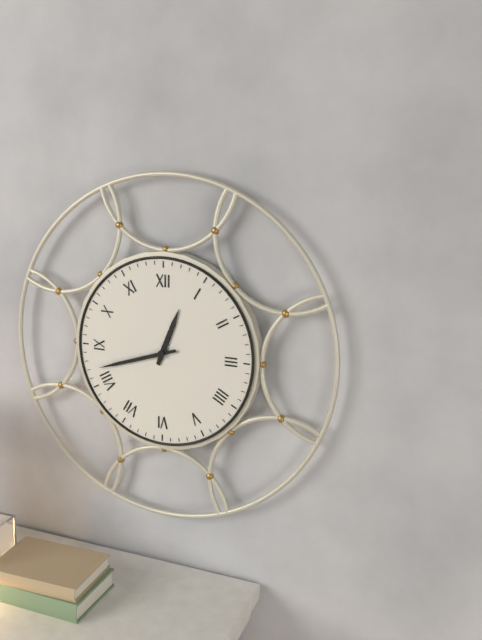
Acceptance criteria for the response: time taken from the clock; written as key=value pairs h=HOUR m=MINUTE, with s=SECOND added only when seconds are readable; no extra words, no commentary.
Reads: h=12 m=42
